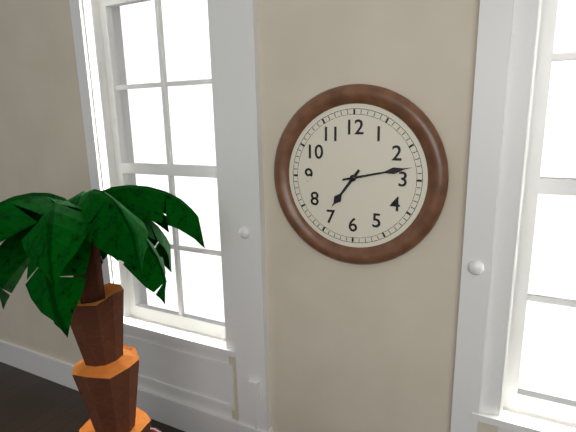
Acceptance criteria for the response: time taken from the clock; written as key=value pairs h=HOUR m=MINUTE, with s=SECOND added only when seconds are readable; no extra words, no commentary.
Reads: h=7 m=13
